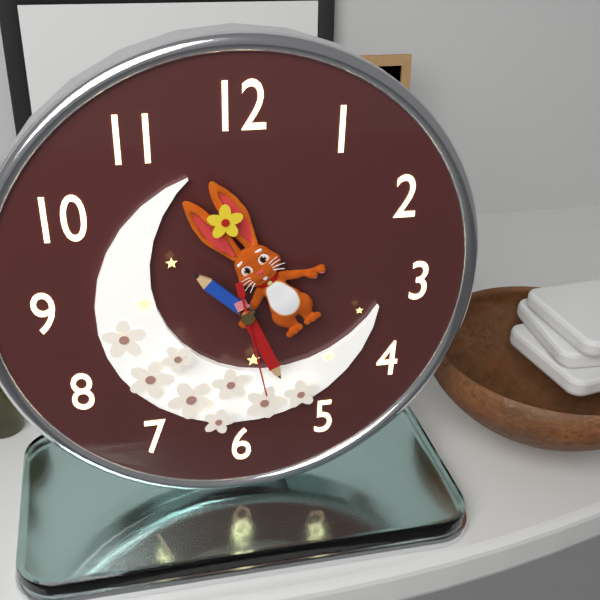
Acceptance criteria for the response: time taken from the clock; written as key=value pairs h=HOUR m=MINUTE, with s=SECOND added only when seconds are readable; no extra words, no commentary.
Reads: h=10 m=26 s=28
